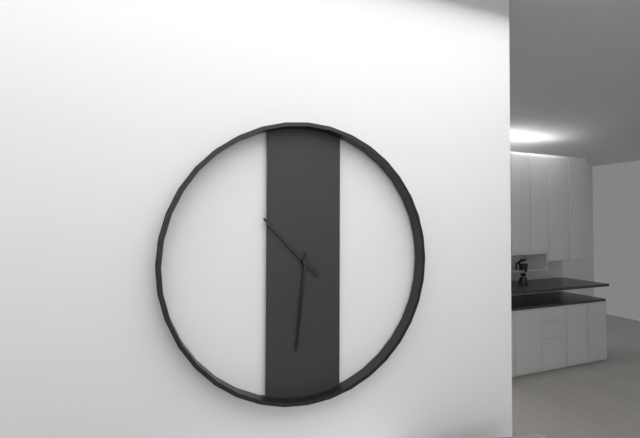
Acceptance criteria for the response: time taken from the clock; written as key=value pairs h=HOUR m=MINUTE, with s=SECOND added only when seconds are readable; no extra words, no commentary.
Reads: h=10 m=31
